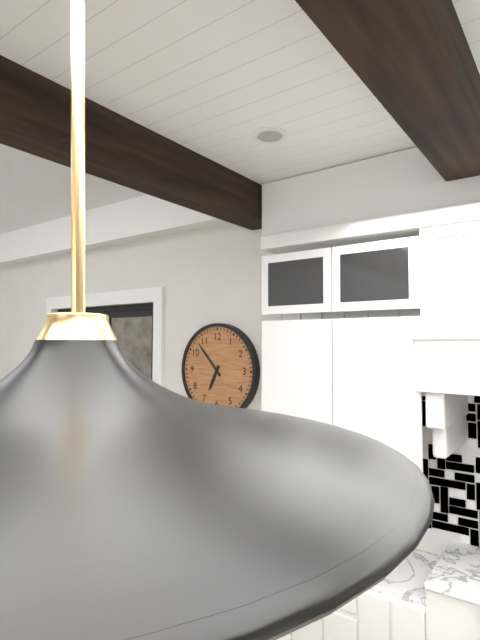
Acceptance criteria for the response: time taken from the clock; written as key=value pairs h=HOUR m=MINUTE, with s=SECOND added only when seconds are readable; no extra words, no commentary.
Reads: h=6 m=53
